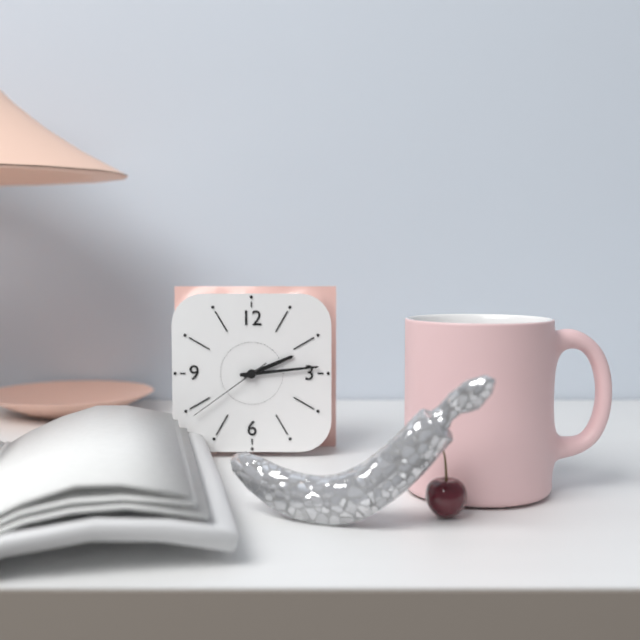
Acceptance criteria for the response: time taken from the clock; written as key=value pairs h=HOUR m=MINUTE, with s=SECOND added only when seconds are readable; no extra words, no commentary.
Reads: h=2 m=14 s=39
